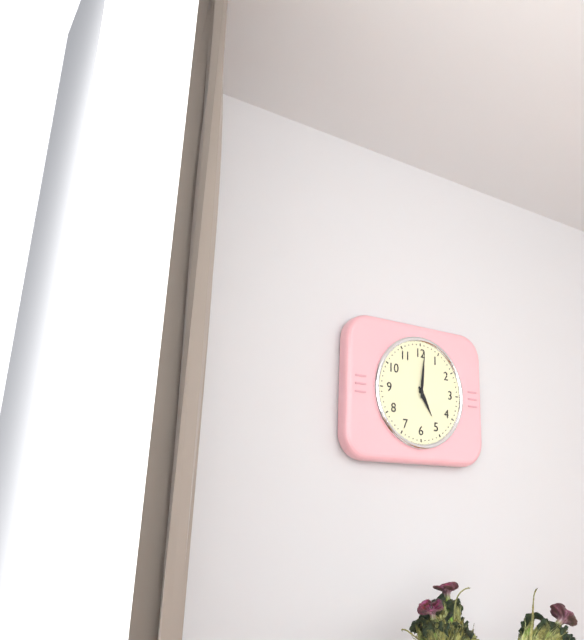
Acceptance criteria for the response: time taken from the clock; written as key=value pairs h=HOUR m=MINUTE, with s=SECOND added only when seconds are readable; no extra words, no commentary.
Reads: h=5 m=1
